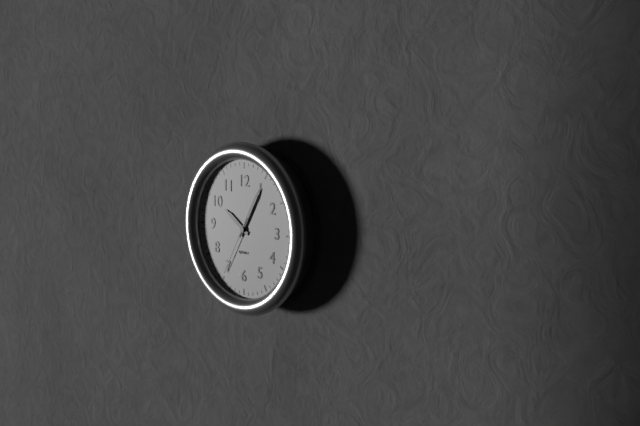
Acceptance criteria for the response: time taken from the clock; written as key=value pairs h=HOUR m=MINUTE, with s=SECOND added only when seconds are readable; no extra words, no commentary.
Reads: h=10 m=5 s=35
